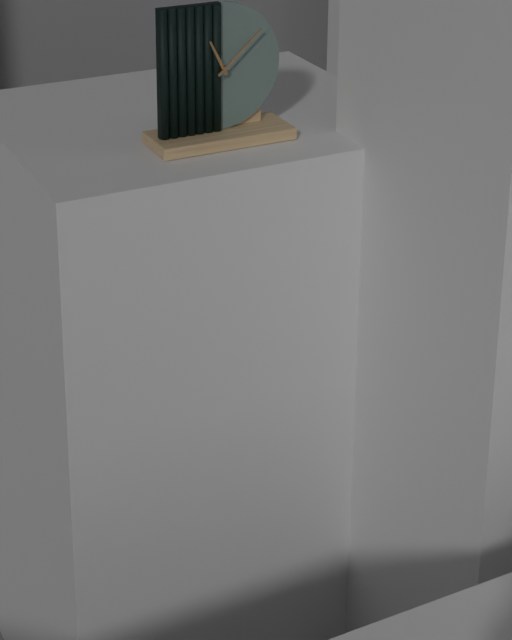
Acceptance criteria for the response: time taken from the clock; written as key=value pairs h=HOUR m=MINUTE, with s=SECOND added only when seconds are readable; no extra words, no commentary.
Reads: h=11 m=8
